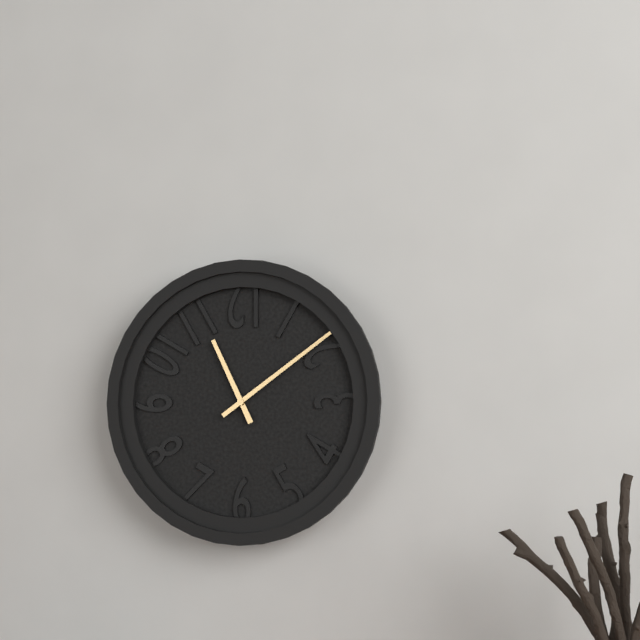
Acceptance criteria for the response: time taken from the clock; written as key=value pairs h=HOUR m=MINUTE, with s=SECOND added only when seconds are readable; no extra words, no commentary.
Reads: h=11 m=9
